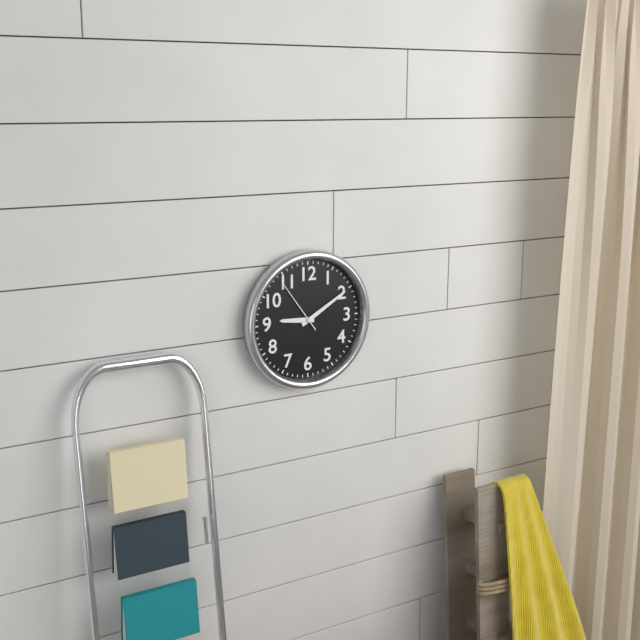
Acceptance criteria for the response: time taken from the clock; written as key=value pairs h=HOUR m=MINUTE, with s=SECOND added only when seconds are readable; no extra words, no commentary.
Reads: h=9 m=10 s=54
